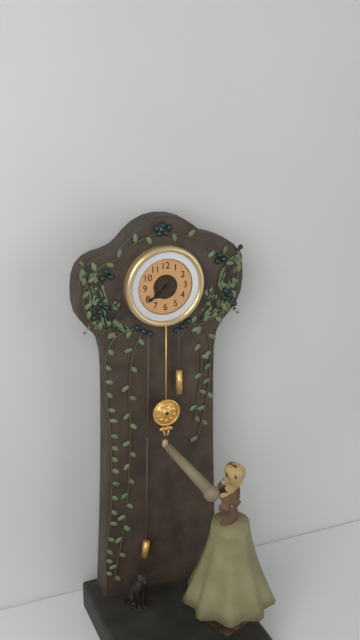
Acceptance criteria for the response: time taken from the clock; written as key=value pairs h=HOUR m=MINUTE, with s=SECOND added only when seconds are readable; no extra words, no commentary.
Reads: h=7 m=39
